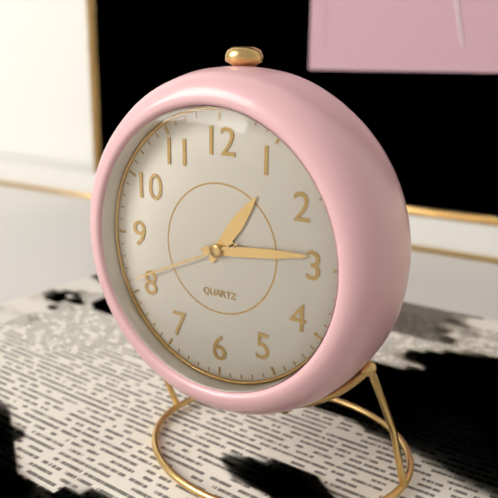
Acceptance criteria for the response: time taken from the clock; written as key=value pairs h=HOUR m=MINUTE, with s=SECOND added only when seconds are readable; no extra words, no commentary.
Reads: h=1 m=14 s=41
